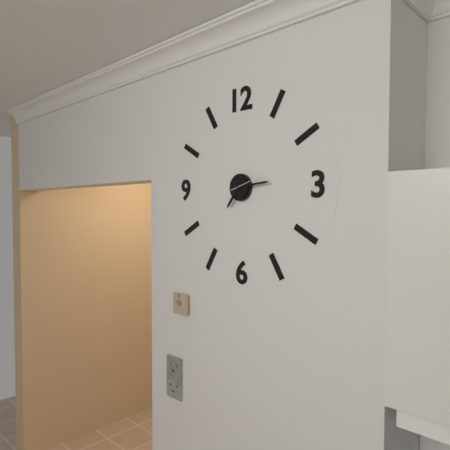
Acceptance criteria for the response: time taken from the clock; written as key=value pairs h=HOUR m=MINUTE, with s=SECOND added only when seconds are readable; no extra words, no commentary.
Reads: h=7 m=14
